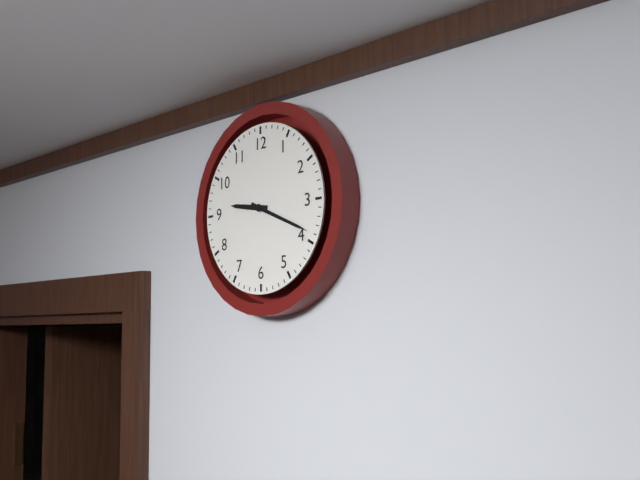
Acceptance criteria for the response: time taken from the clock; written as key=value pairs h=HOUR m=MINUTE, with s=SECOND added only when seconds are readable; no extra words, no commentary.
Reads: h=9 m=19
